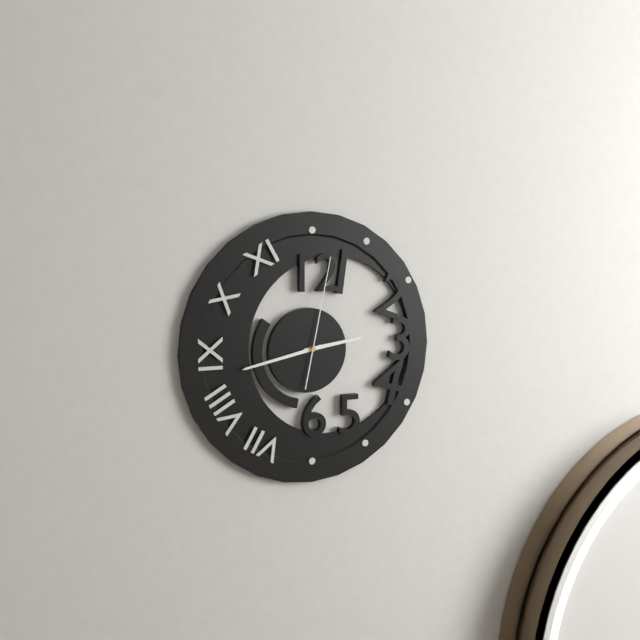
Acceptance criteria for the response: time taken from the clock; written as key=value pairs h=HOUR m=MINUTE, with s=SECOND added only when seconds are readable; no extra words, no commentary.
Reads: h=2 m=43 s=2
